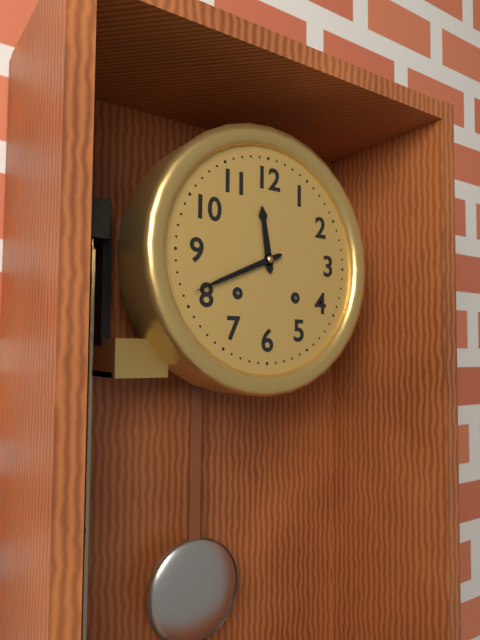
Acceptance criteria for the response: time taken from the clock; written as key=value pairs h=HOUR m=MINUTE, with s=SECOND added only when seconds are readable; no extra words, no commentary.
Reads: h=11 m=41
